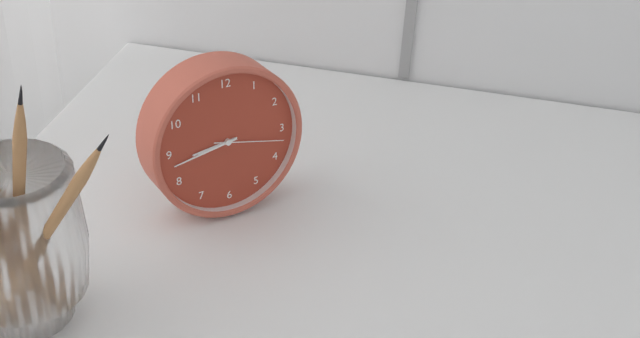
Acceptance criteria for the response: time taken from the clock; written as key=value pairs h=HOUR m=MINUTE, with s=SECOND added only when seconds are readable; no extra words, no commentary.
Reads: h=8 m=43 s=17
